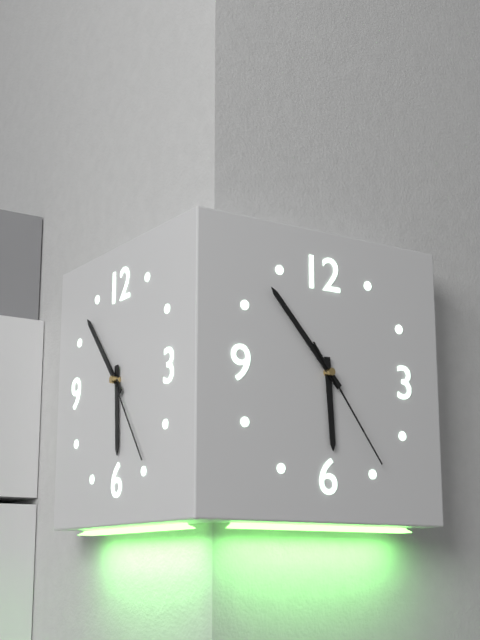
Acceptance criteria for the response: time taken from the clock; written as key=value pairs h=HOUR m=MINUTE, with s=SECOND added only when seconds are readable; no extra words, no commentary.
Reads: h=5 m=53 s=24
